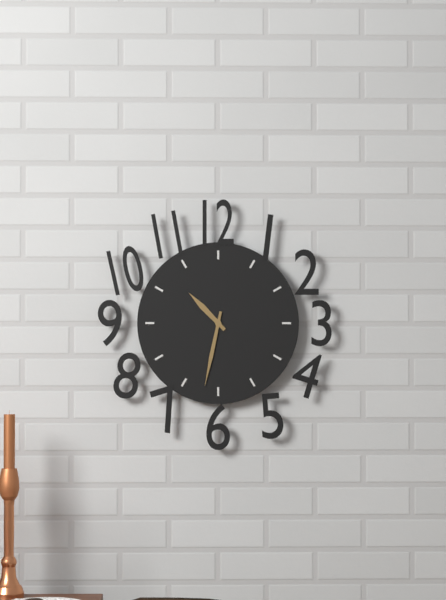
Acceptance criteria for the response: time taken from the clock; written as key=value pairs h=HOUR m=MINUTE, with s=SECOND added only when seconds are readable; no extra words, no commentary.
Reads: h=10 m=32
